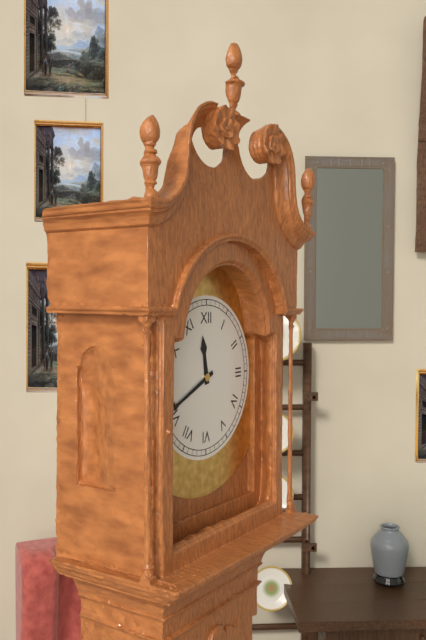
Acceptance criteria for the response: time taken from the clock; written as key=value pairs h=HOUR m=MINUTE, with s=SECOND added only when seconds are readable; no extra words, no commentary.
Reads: h=11 m=41
